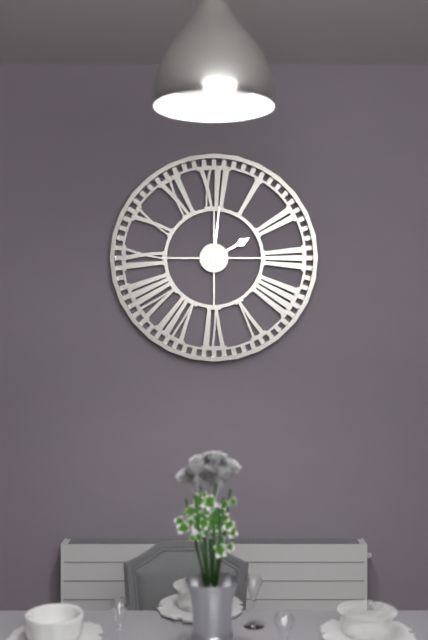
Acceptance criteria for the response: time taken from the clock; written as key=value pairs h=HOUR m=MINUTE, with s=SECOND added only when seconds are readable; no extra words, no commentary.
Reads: h=2 m=1
